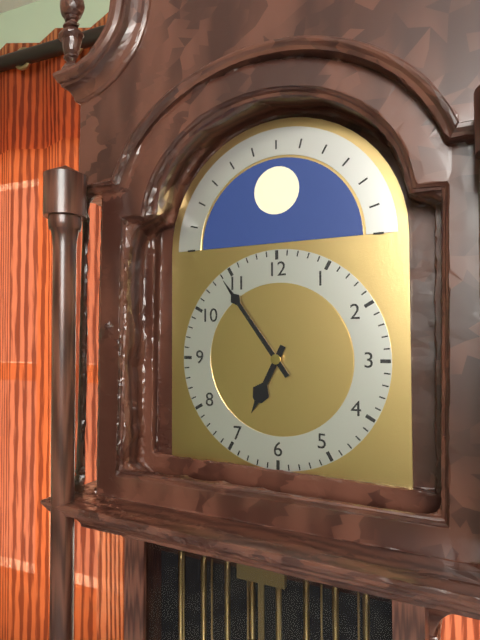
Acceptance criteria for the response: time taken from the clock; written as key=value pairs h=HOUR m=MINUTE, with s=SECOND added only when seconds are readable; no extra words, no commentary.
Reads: h=6 m=54
